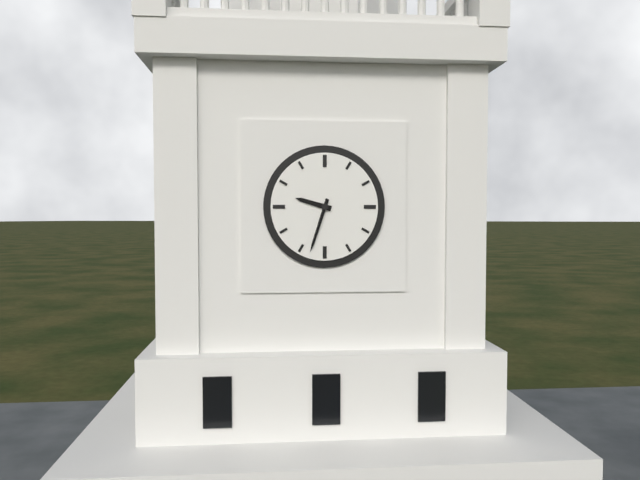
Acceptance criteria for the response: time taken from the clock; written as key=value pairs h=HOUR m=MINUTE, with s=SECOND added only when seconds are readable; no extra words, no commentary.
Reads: h=9 m=33
